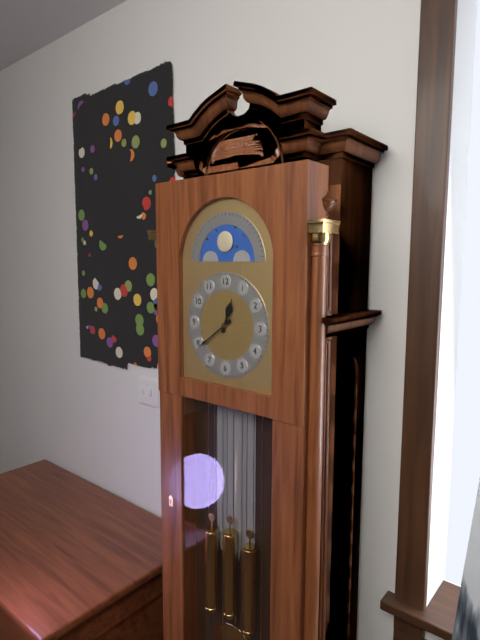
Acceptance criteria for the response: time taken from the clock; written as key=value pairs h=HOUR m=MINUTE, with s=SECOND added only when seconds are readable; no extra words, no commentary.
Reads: h=12 m=39
